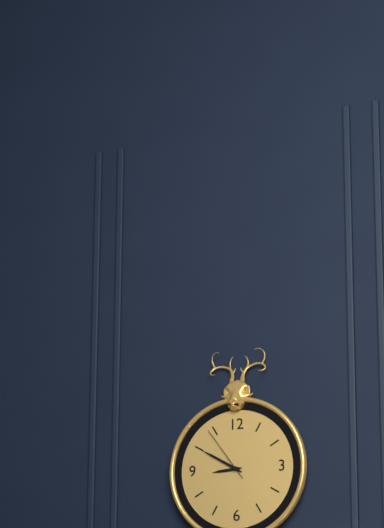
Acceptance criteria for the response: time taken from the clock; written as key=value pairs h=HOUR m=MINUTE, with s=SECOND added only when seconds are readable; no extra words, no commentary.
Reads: h=8 m=50 s=54
